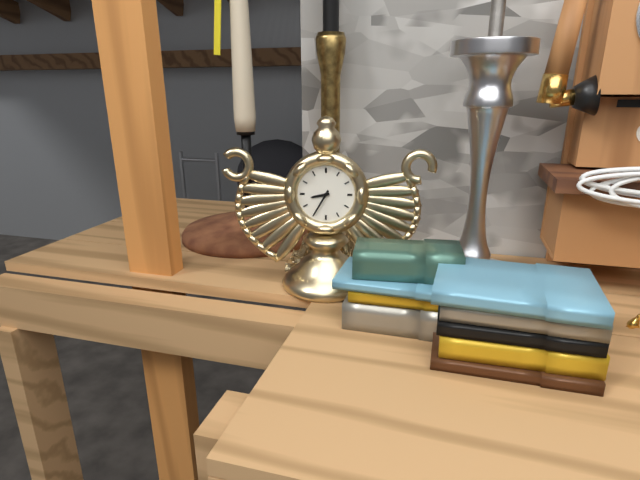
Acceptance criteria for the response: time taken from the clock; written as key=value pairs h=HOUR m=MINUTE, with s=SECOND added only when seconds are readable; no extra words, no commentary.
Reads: h=8 m=35
